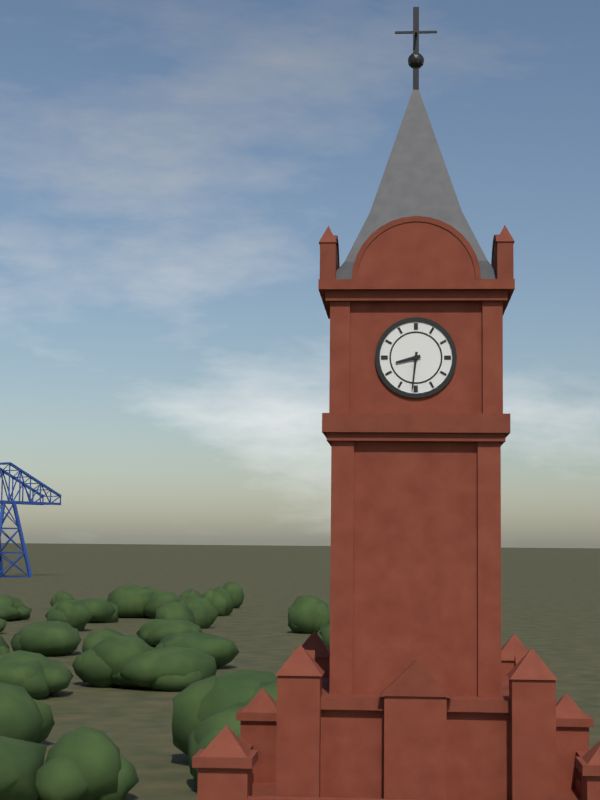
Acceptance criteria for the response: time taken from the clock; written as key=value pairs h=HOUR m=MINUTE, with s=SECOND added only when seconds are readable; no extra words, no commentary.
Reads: h=8 m=31
